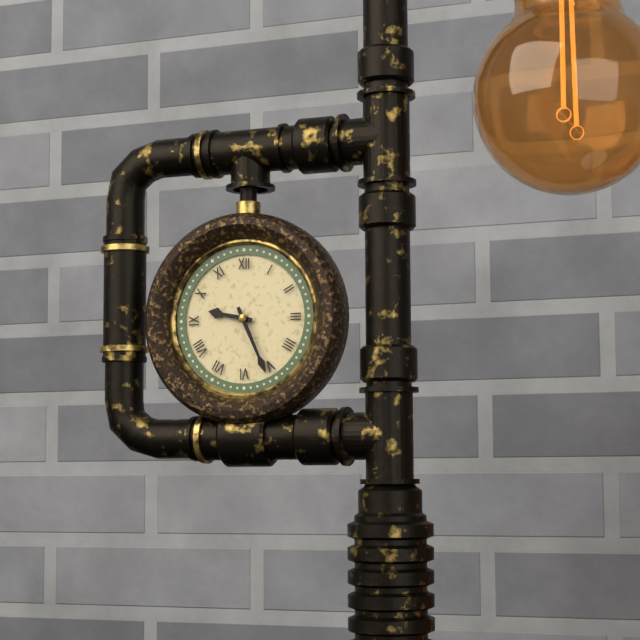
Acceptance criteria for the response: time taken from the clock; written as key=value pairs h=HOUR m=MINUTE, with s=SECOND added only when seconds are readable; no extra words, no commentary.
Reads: h=9 m=26
